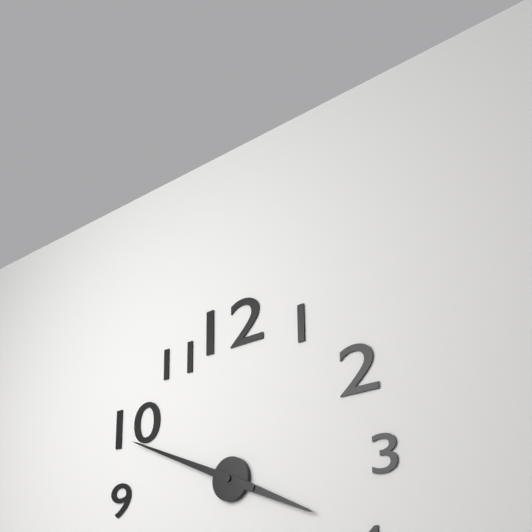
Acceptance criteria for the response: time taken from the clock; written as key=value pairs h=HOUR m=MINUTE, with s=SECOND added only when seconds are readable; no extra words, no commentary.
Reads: h=3 m=49
